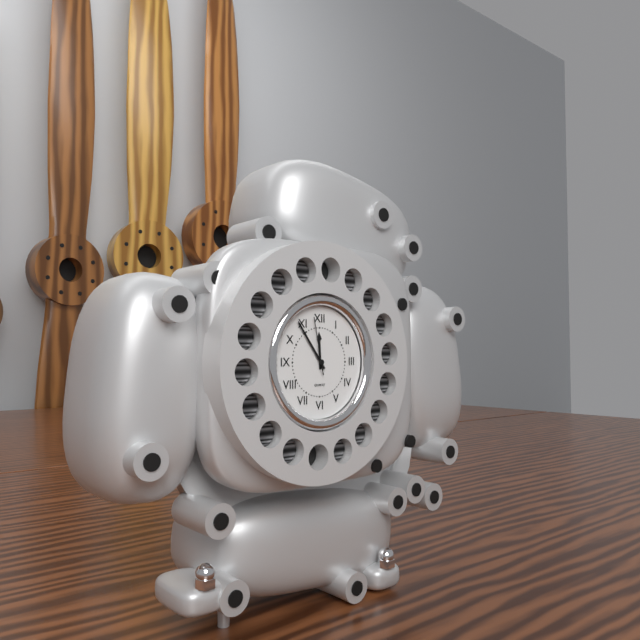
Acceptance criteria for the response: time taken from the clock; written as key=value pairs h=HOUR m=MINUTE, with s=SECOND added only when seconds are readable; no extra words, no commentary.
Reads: h=11 m=54 s=58
